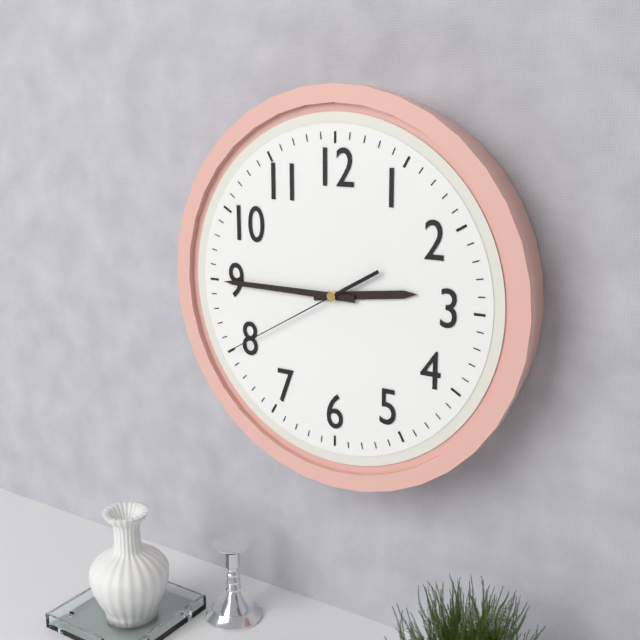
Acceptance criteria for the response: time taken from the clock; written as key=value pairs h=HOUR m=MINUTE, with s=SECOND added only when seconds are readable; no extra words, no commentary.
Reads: h=2 m=45 s=40
